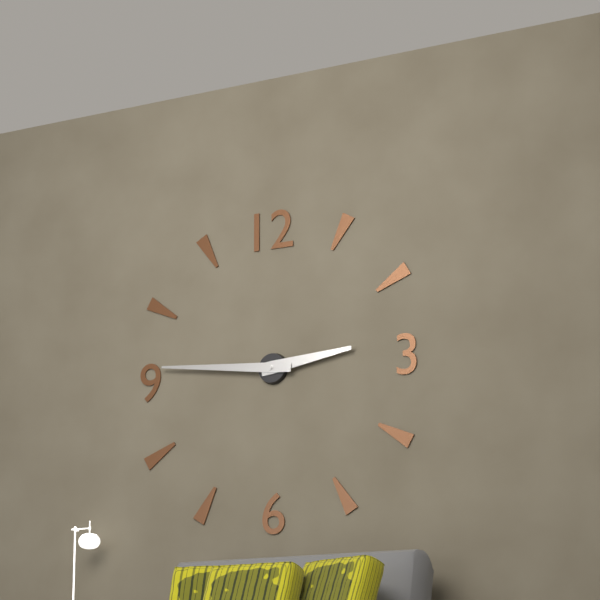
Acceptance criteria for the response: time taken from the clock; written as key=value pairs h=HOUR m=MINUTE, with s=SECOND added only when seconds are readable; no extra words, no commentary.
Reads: h=2 m=46
